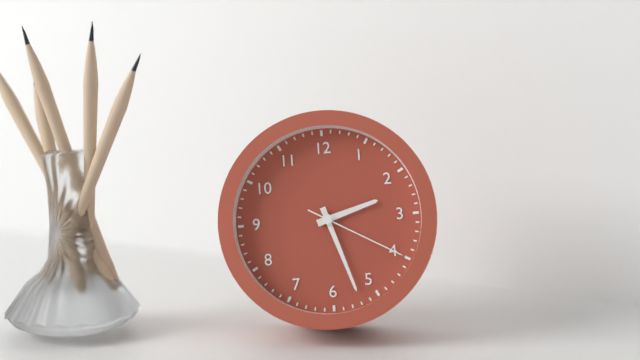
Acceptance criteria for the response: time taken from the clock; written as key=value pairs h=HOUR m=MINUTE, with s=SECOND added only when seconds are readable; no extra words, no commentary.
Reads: h=2 m=27 s=20
